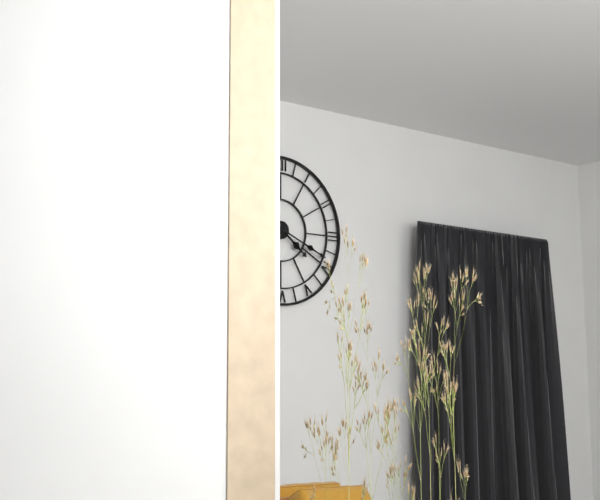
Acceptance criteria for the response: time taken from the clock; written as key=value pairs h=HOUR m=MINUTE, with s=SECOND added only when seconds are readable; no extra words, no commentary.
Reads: h=4 m=19
